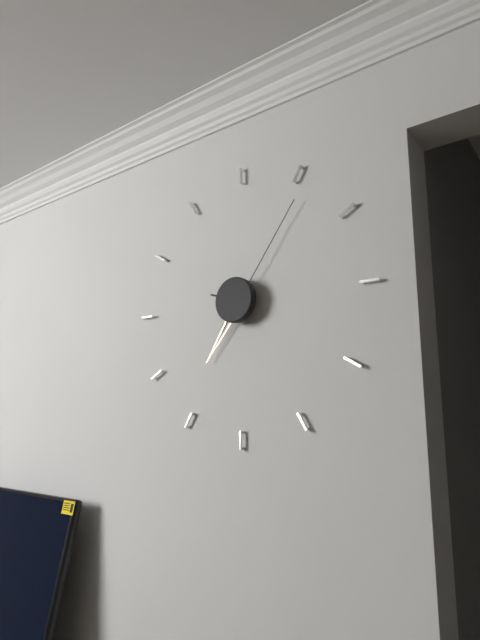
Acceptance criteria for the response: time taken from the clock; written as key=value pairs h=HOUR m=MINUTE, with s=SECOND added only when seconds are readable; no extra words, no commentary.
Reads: h=9 m=36 s=6
